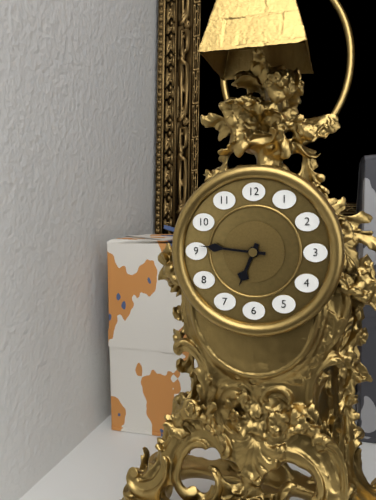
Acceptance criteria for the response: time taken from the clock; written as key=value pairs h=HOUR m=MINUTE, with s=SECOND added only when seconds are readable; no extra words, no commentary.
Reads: h=6 m=46
